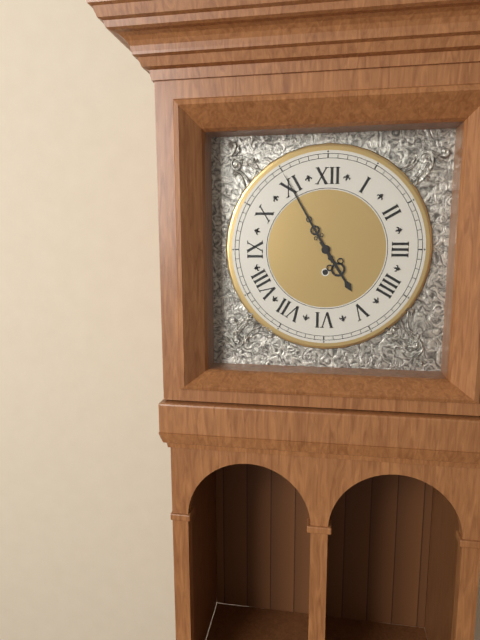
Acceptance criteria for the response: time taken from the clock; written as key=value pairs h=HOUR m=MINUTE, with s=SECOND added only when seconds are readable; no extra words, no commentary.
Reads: h=4 m=55
